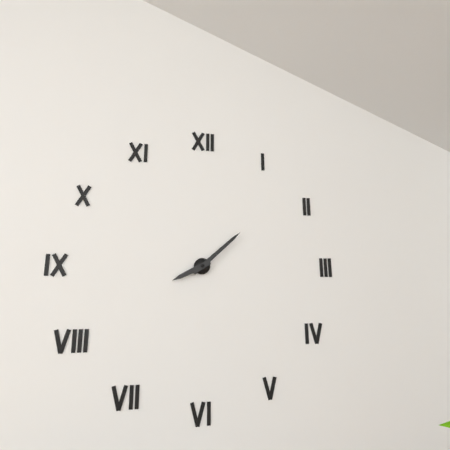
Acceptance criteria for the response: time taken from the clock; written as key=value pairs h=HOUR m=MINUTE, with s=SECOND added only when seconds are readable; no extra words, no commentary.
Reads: h=8 m=8
